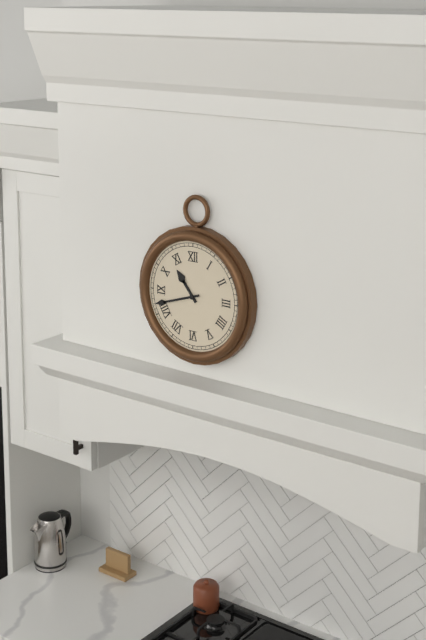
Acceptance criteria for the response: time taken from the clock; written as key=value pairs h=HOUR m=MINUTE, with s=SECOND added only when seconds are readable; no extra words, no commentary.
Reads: h=10 m=42
